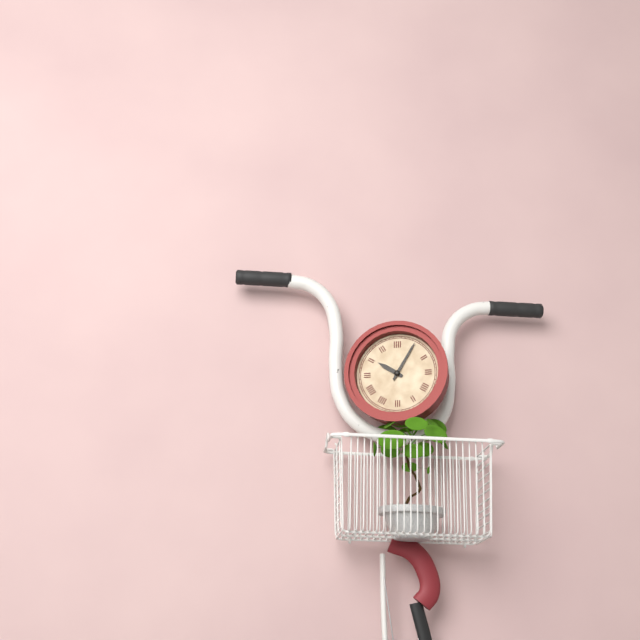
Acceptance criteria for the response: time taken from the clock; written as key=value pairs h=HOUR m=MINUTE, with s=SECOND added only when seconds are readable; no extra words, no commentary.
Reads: h=10 m=5
